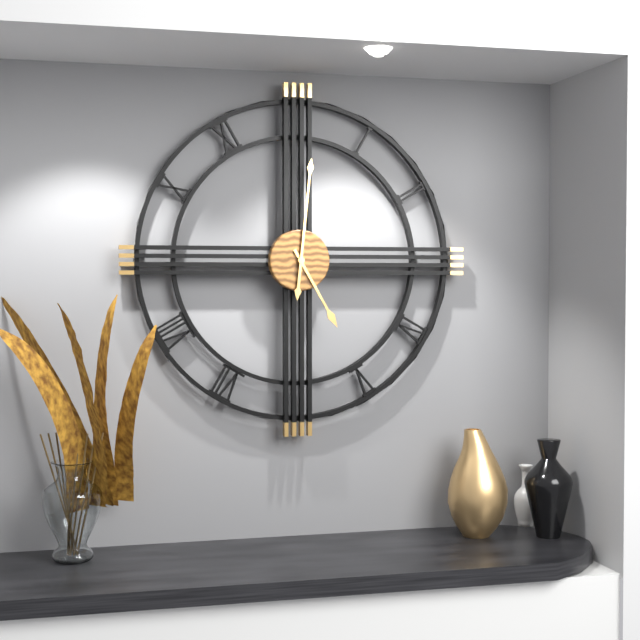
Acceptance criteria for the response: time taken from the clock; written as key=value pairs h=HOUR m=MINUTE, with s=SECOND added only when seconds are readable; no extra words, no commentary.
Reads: h=5 m=1
